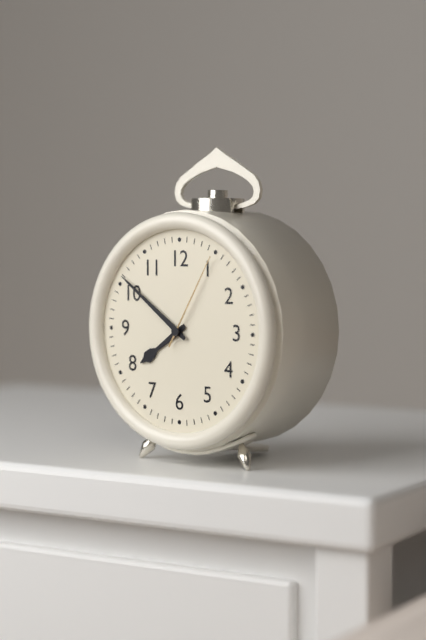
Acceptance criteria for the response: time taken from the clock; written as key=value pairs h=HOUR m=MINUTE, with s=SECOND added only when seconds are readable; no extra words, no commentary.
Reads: h=7 m=51 s=5
